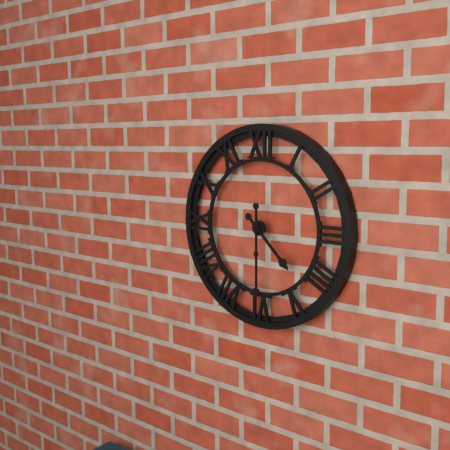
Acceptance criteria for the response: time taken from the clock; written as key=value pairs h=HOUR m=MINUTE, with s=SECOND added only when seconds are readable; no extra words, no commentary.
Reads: h=4 m=30
